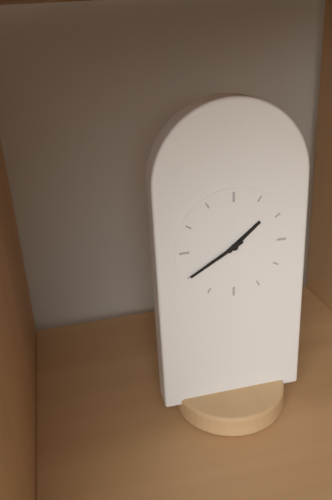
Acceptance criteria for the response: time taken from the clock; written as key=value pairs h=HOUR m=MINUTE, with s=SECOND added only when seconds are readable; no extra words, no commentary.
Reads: h=1 m=40
